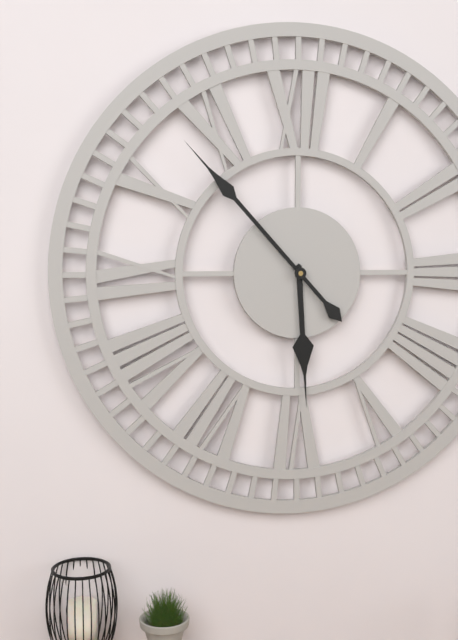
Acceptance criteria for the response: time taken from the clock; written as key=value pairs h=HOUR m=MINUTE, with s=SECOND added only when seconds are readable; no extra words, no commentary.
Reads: h=5 m=53
